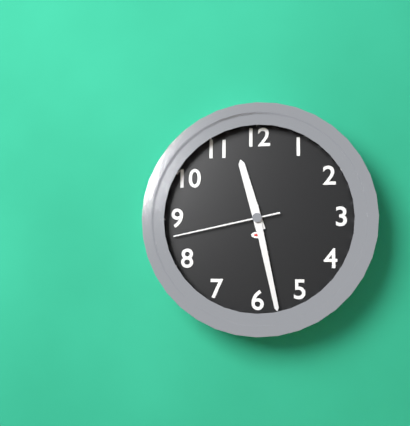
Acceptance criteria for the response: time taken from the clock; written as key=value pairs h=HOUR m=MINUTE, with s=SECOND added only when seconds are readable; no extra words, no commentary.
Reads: h=11 m=28 s=43
